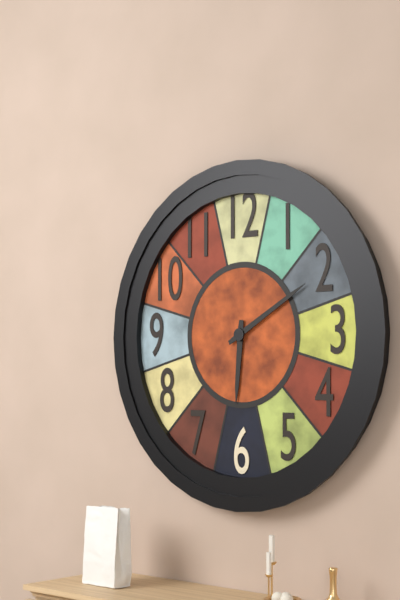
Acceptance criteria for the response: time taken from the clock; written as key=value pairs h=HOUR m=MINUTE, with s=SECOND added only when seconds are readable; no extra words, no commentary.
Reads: h=6 m=10
